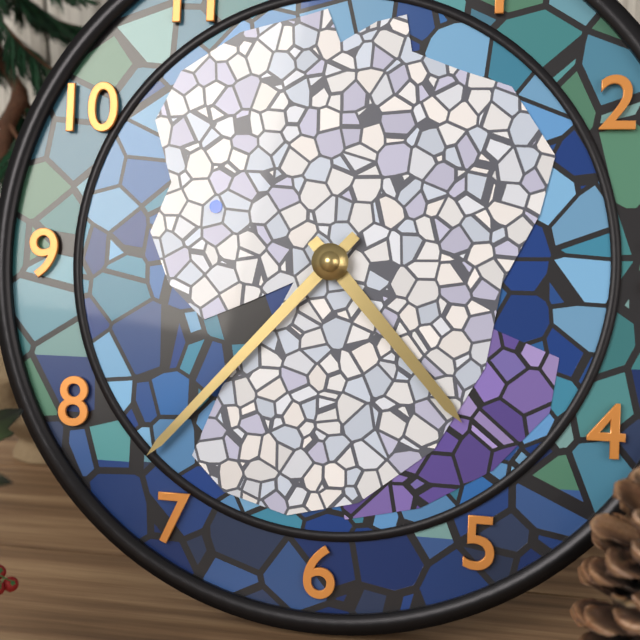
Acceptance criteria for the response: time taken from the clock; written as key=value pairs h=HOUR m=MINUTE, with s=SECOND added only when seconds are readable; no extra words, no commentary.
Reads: h=4 m=37
